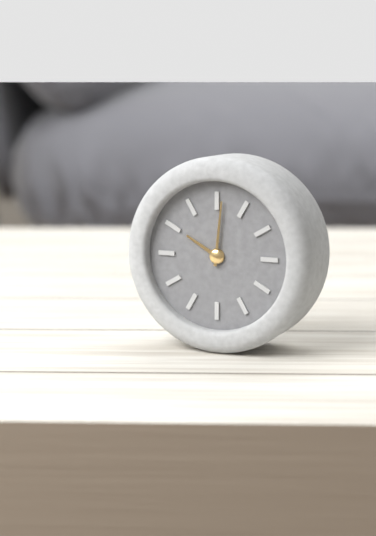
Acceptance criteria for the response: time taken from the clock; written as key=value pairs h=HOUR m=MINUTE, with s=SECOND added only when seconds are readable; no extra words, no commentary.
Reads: h=10 m=1
